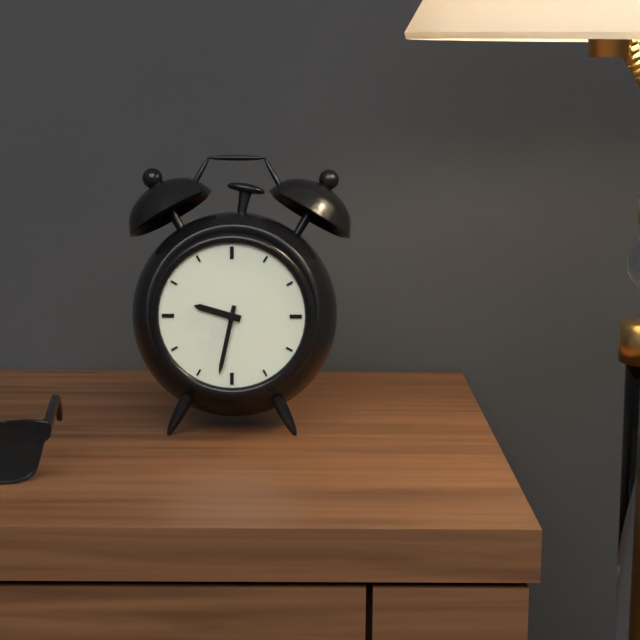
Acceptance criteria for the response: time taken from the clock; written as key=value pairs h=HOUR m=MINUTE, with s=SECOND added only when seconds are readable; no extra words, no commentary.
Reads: h=9 m=32
